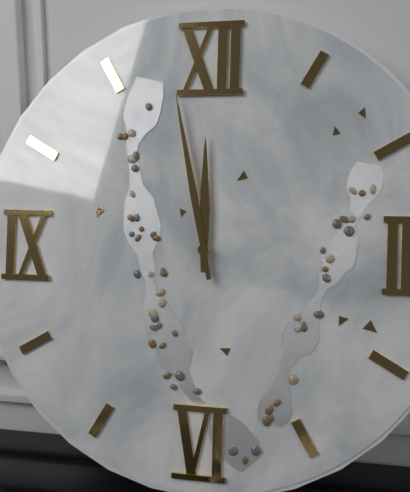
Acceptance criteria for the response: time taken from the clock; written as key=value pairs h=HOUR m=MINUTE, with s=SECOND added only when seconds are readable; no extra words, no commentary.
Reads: h=11 m=58
